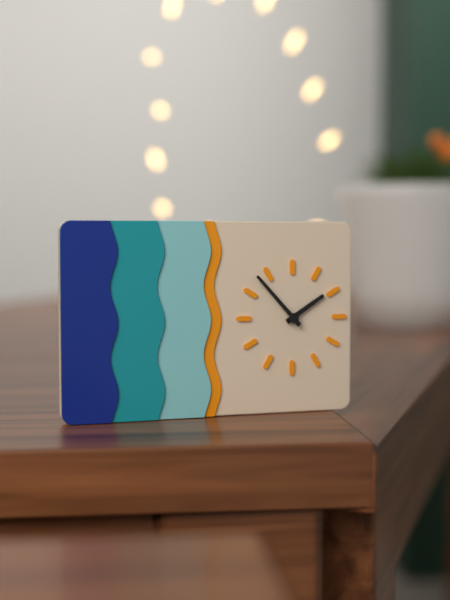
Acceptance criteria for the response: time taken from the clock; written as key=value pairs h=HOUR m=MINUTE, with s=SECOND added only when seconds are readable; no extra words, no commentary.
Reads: h=1 m=53
